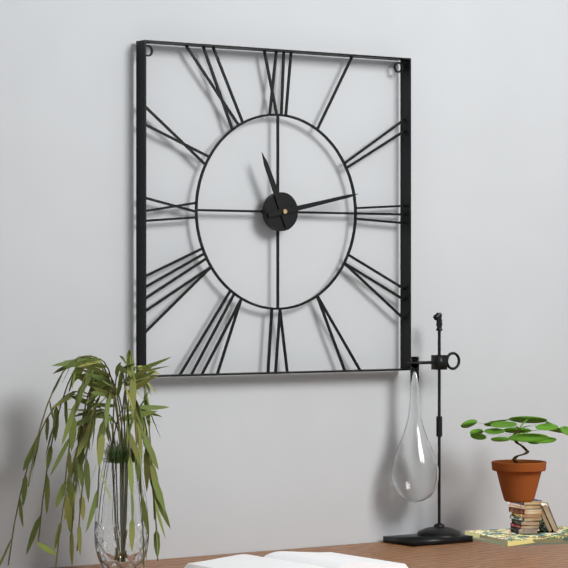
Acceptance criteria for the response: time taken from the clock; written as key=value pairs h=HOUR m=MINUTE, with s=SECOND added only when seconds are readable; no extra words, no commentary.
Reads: h=11 m=13
